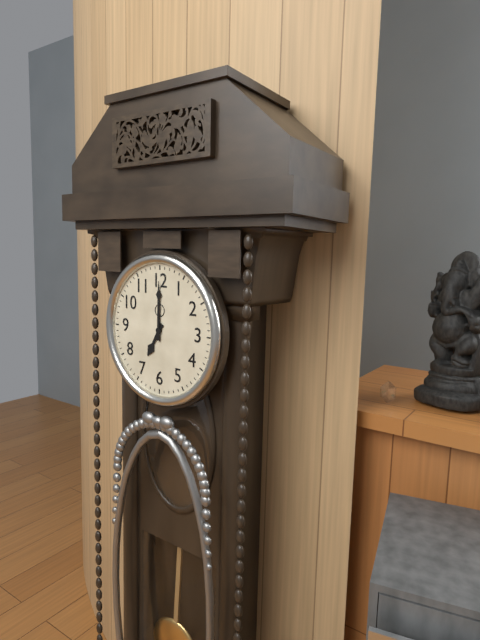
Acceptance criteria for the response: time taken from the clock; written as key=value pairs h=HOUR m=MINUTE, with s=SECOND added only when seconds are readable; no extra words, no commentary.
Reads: h=7 m=0
